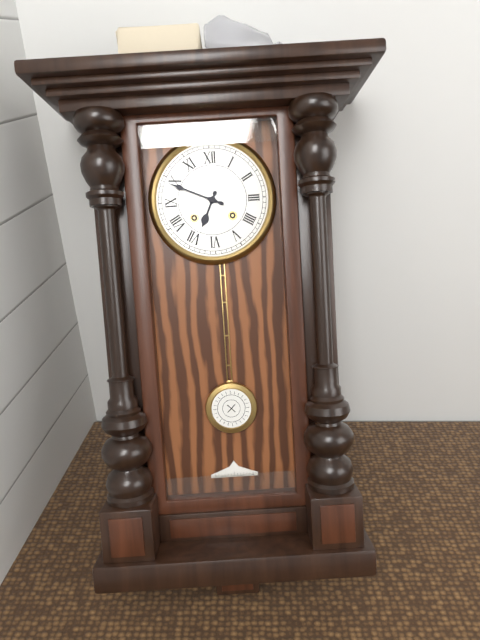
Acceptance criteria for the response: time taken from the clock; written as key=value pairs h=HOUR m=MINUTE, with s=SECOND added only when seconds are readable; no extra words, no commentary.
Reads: h=6 m=49
